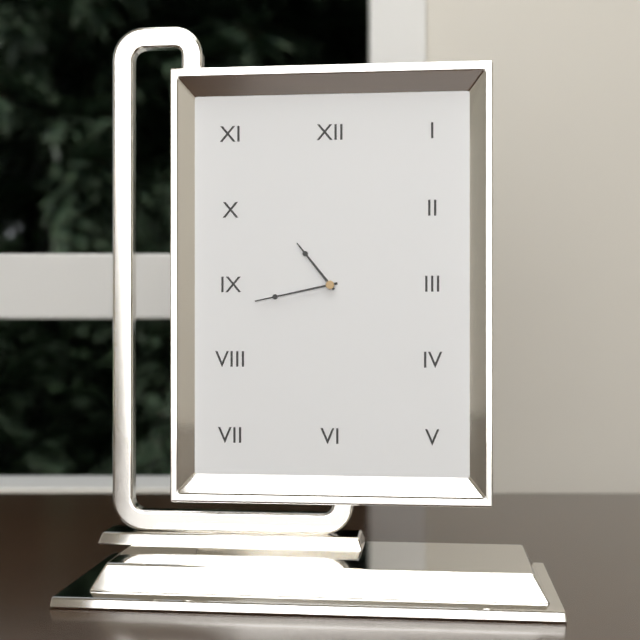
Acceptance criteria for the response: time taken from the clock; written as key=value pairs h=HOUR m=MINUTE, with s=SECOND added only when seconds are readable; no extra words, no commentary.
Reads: h=10 m=43
